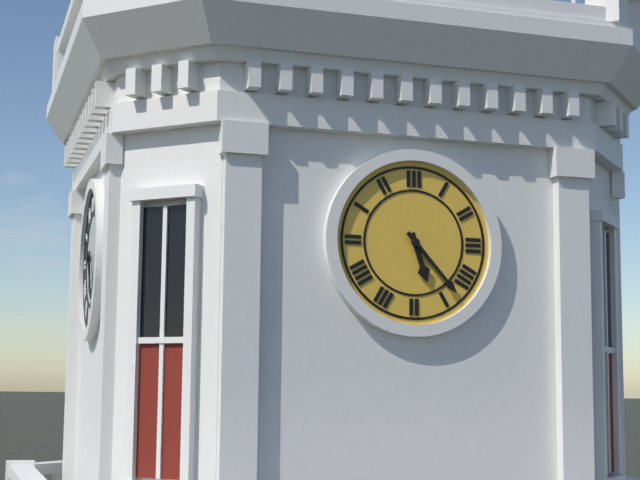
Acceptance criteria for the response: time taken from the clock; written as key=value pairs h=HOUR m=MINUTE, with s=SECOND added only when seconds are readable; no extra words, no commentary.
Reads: h=5 m=23
